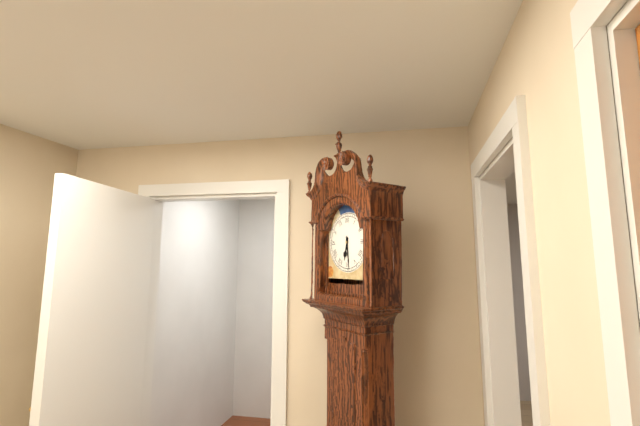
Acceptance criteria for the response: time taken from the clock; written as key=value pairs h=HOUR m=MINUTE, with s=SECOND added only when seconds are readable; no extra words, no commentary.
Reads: h=6 m=29
